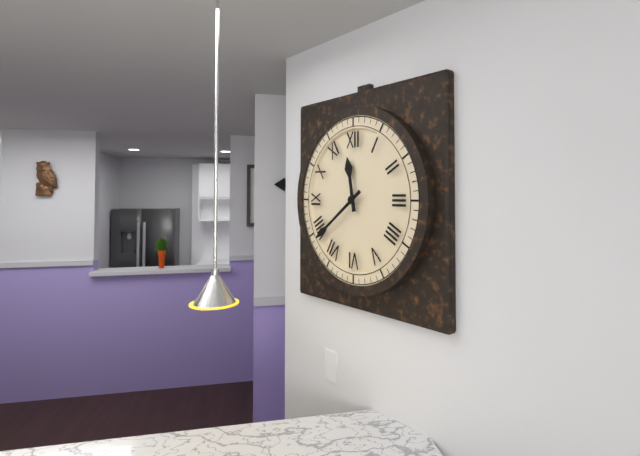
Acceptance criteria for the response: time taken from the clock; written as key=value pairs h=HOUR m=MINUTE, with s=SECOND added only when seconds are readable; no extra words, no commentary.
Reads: h=11 m=39
